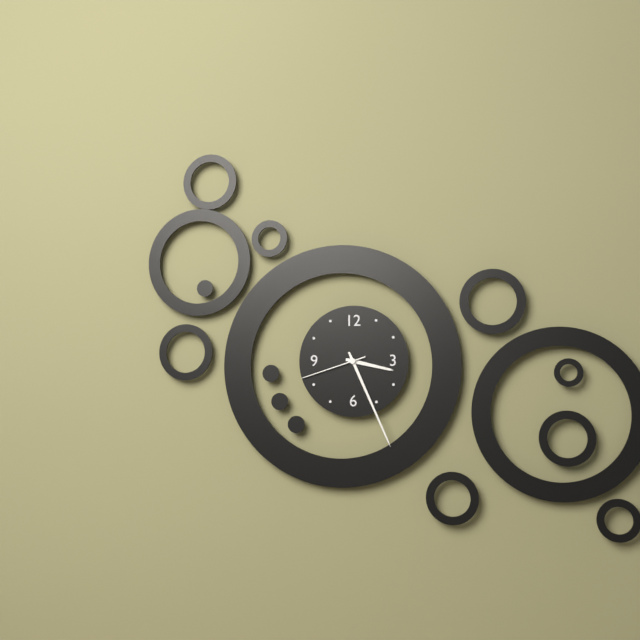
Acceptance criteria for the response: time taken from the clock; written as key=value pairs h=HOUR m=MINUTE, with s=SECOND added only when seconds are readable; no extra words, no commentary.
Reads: h=3 m=26 s=42
